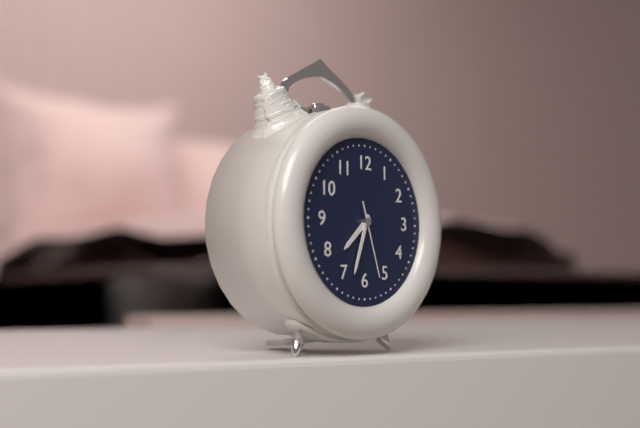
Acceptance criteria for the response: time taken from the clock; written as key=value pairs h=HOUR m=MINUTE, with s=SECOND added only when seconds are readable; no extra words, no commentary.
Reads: h=7 m=33 s=27
